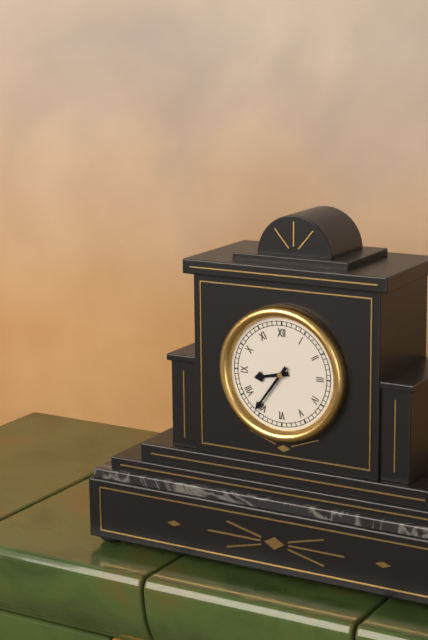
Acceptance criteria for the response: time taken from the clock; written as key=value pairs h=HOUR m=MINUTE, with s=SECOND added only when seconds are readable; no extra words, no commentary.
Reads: h=8 m=36
